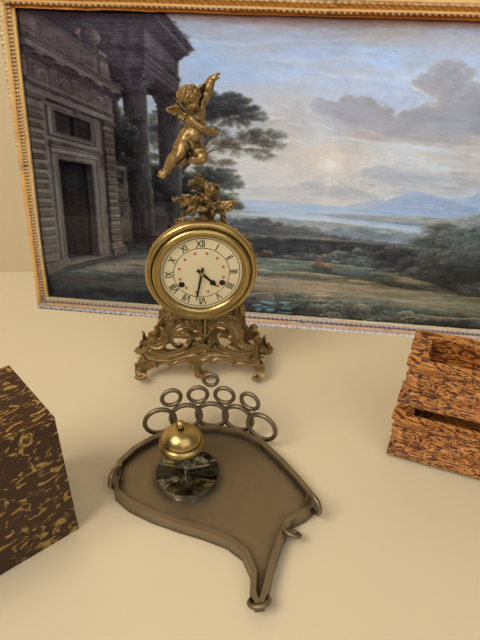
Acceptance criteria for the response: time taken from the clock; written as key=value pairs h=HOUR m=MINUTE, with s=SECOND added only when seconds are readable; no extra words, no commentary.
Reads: h=4 m=32
